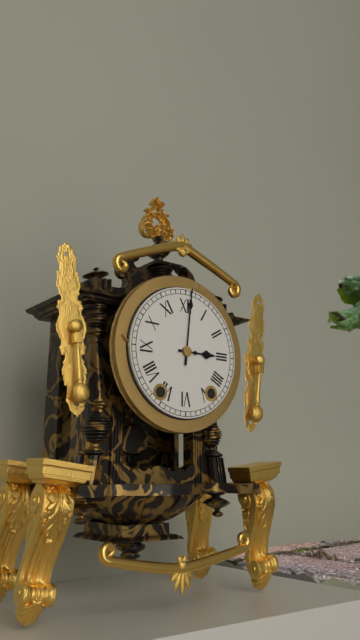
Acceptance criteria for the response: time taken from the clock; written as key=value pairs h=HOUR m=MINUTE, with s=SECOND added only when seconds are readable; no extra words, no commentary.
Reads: h=3 m=1
